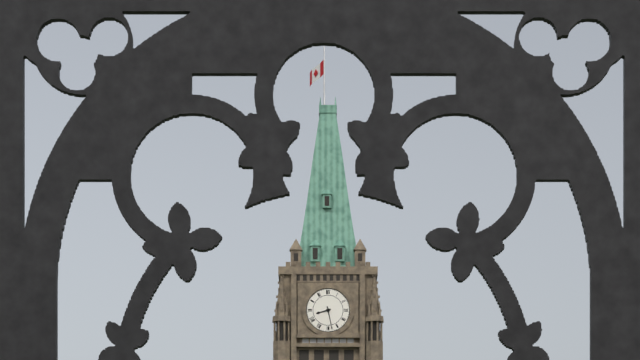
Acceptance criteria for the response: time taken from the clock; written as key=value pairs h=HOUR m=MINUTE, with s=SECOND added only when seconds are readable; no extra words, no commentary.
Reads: h=8 m=28
